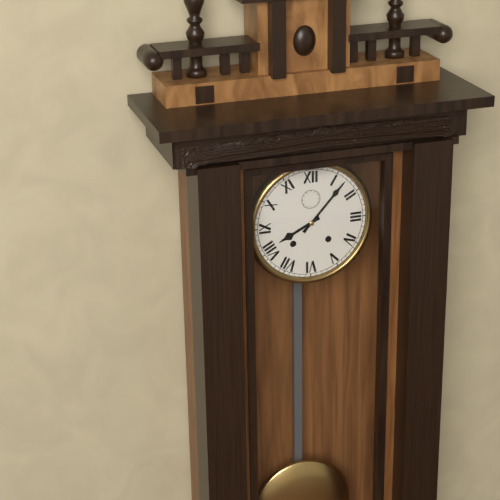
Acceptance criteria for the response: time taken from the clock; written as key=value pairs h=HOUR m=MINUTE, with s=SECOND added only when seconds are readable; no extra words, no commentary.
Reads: h=8 m=7
